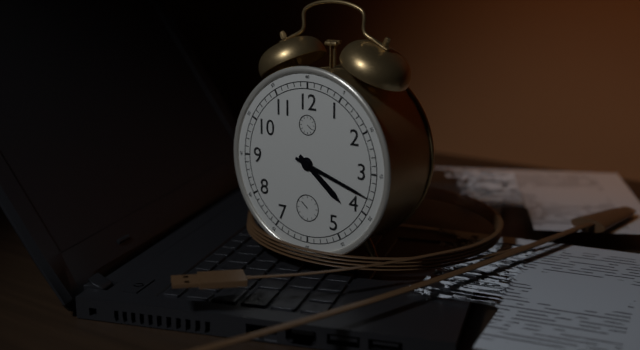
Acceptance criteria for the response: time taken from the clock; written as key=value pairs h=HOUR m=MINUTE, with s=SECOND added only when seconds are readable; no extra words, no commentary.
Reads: h=4 m=18
